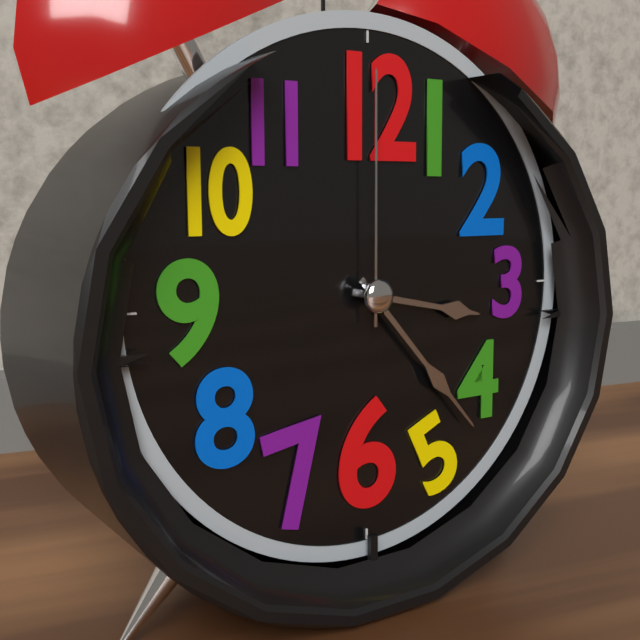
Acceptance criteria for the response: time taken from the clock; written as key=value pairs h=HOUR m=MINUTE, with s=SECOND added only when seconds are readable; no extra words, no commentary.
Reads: h=3 m=23 s=0
